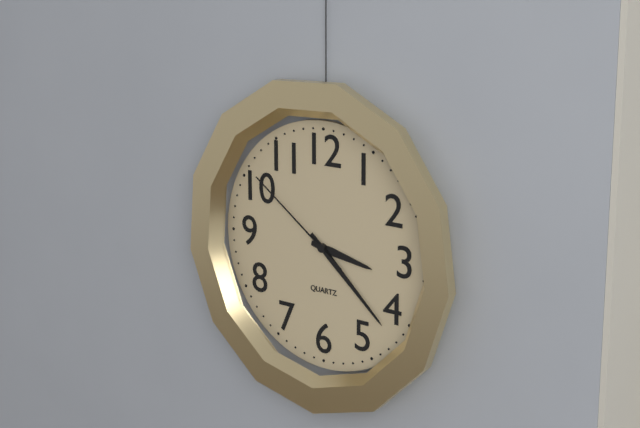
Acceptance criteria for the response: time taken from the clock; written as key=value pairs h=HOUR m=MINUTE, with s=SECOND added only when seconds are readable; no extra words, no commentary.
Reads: h=3 m=22 s=51
